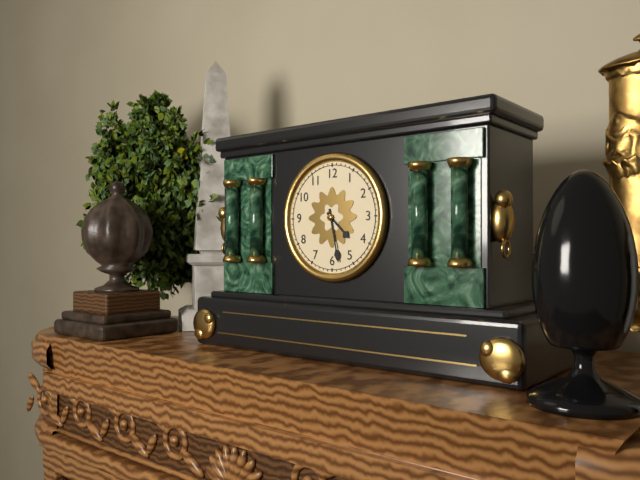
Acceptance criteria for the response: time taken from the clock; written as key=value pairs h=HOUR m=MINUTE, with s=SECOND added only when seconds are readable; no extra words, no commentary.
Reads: h=4 m=28
